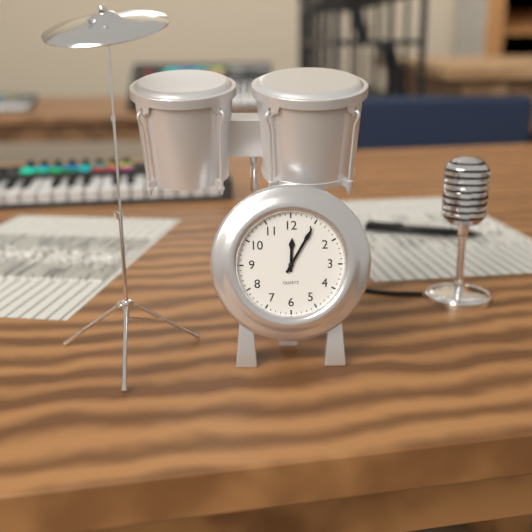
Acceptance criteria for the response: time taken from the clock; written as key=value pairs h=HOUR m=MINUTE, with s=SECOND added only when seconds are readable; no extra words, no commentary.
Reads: h=12 m=5
